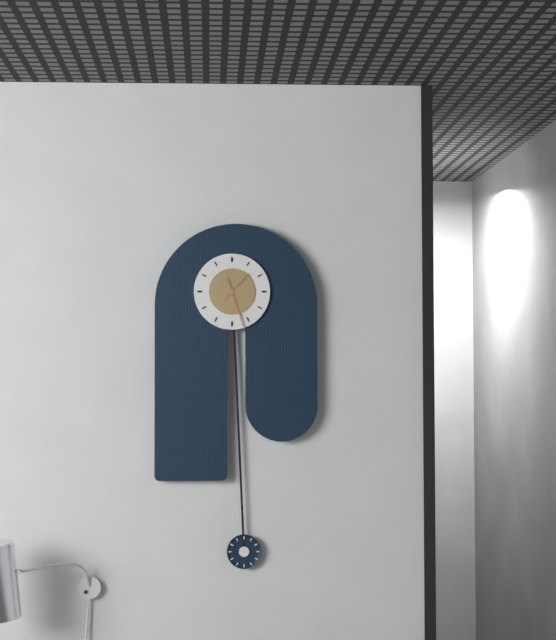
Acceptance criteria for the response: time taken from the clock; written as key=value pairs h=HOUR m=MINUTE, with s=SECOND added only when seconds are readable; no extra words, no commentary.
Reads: h=1 m=27
